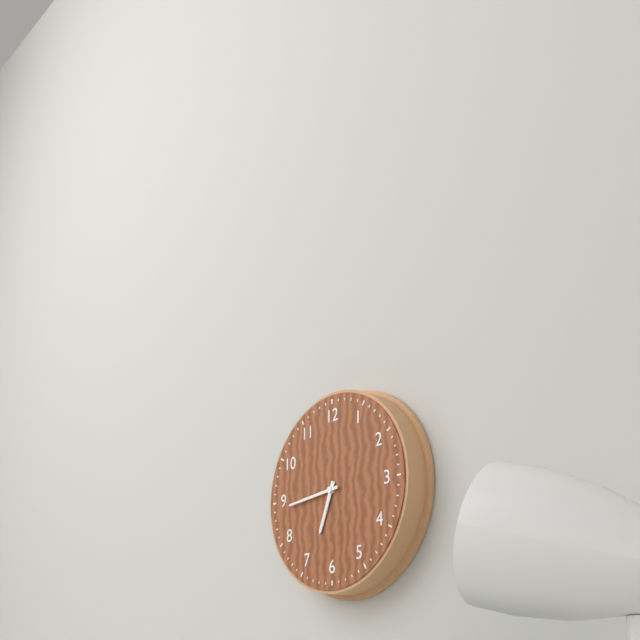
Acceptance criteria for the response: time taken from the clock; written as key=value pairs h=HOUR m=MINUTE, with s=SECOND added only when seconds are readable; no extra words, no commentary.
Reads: h=6 m=44
